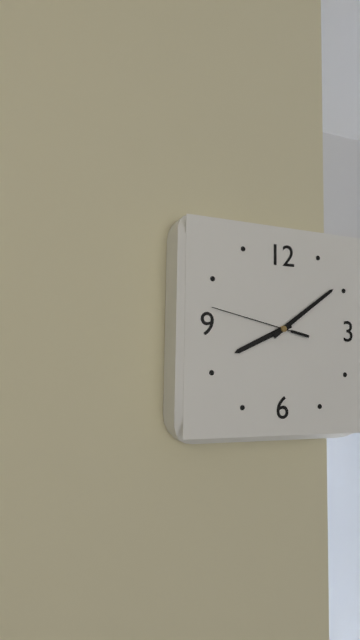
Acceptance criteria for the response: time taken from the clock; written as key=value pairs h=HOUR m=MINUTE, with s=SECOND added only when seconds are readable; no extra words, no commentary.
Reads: h=8 m=9 s=47
